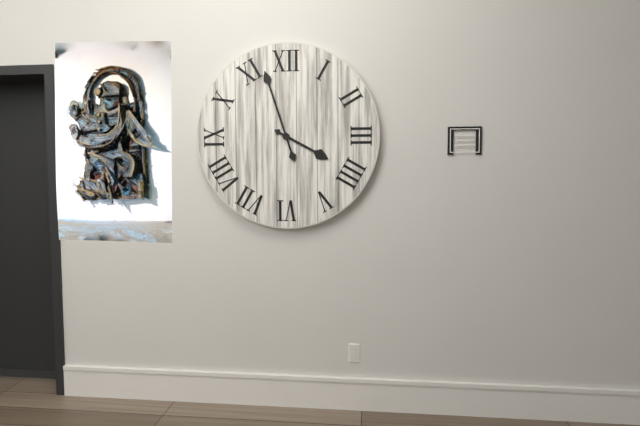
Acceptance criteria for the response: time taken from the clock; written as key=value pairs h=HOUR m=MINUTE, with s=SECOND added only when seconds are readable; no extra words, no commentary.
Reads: h=3 m=57
